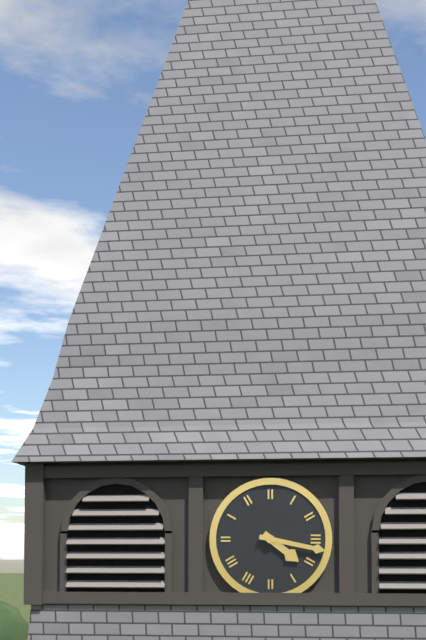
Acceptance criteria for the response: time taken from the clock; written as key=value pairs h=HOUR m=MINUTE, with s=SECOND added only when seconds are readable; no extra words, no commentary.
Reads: h=4 m=17
